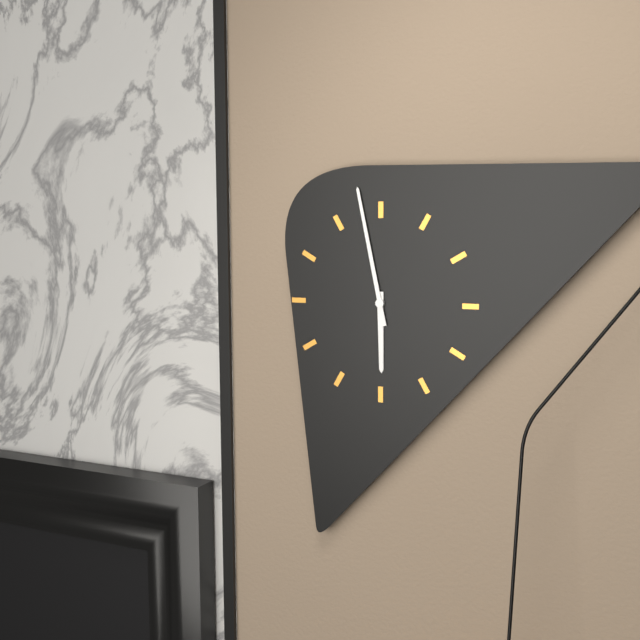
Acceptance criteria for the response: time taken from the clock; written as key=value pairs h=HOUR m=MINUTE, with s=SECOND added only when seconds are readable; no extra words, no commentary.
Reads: h=5 m=58
